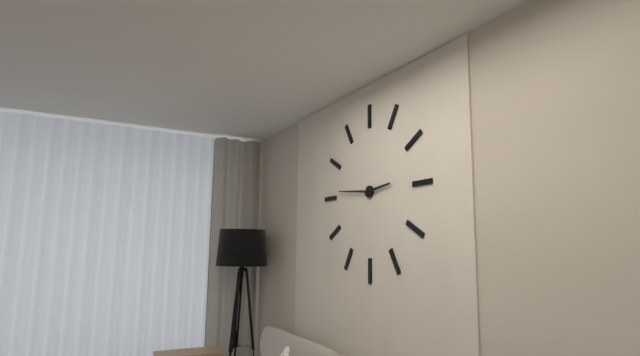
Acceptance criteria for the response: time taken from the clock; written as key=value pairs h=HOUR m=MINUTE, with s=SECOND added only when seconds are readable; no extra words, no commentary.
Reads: h=2 m=46
